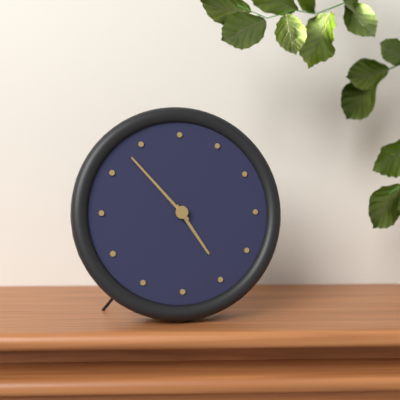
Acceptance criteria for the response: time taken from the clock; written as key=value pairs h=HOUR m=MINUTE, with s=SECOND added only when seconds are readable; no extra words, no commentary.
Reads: h=4 m=53
